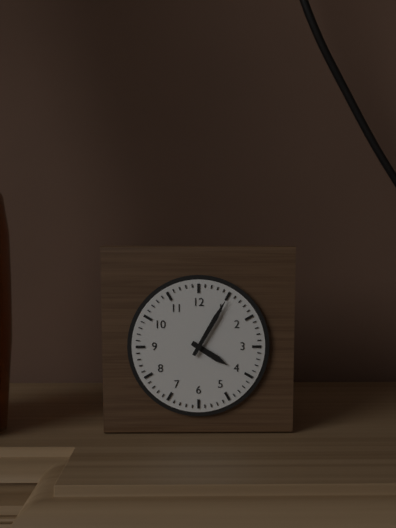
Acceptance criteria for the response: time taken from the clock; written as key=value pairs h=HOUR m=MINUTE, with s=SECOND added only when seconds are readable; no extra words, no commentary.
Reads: h=4 m=5
